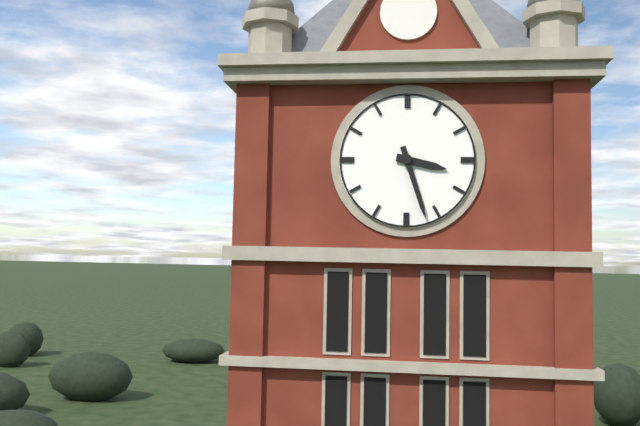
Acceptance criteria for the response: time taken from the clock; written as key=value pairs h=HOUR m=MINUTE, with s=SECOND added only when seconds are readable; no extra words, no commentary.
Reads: h=3 m=27
